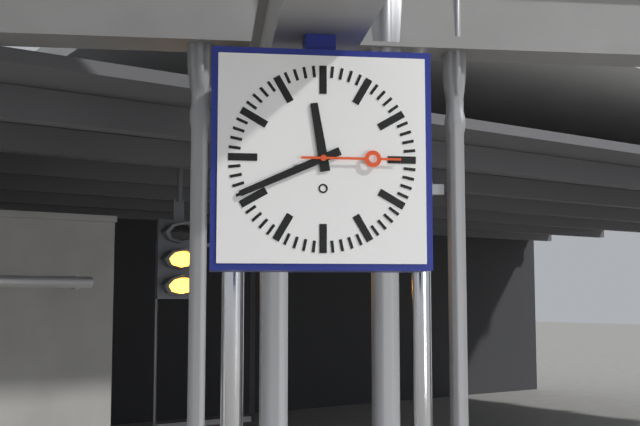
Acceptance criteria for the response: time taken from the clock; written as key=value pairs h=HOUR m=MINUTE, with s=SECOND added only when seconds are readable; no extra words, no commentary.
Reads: h=11 m=41 s=15
